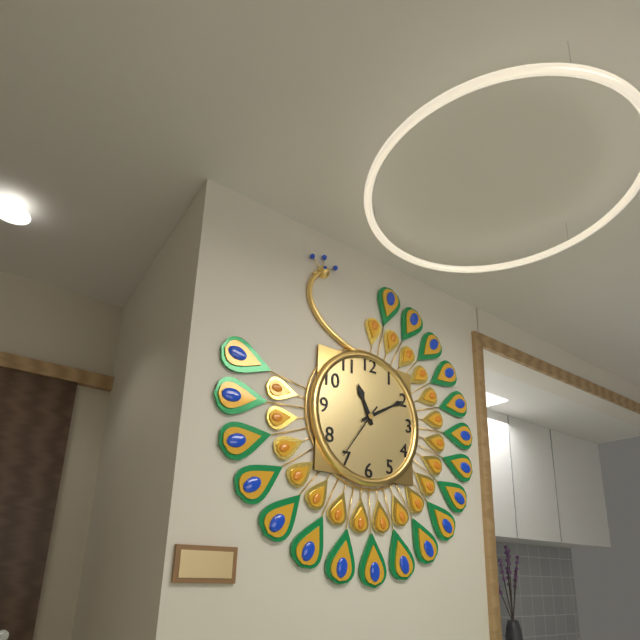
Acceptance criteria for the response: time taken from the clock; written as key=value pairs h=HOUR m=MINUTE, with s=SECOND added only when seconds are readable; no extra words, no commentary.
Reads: h=11 m=10 s=36
